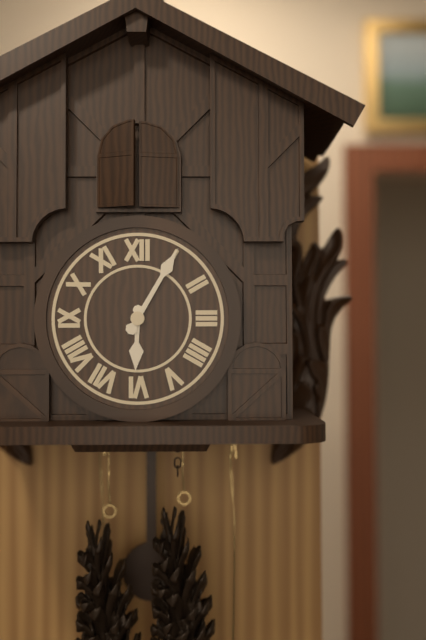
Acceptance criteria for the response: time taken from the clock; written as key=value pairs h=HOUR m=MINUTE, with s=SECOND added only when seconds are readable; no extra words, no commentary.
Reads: h=6 m=5
